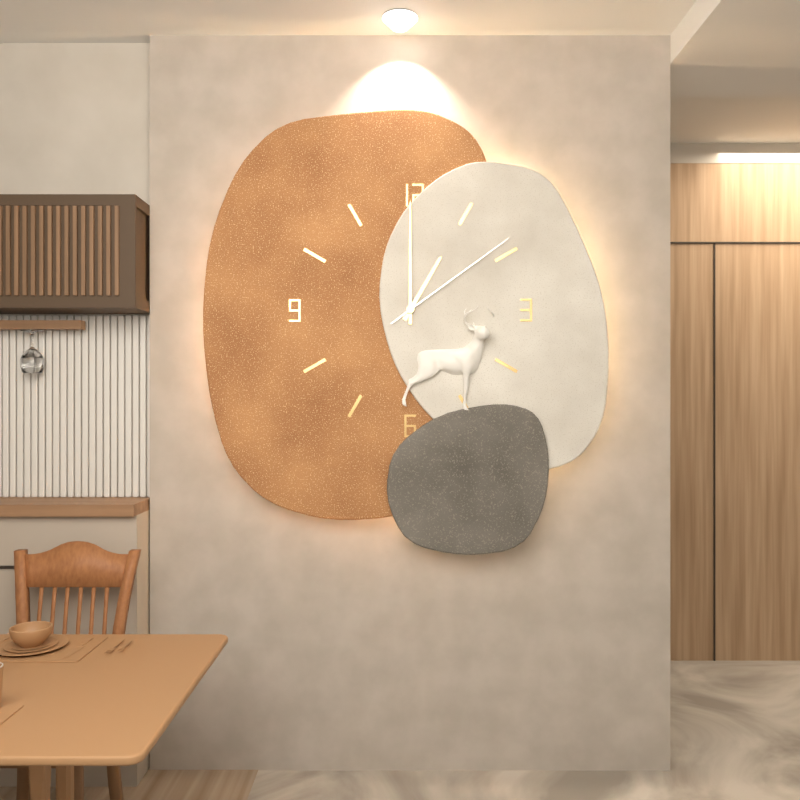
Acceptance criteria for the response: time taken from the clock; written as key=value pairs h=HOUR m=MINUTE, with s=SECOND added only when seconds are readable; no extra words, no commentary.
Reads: h=1 m=0 s=9
